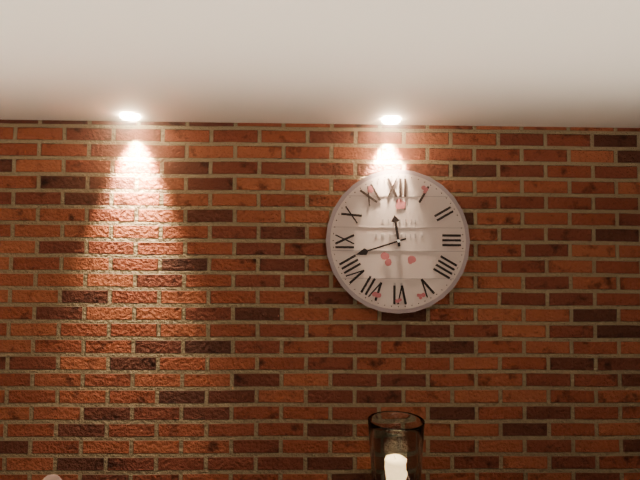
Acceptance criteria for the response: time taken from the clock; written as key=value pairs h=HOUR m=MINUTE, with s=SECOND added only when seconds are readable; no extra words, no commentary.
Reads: h=11 m=42
